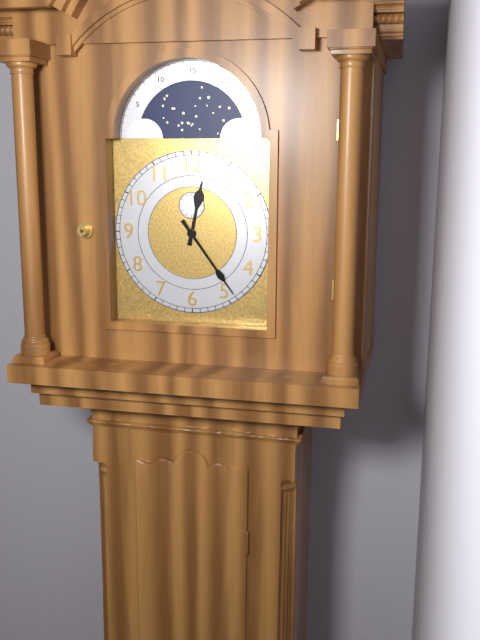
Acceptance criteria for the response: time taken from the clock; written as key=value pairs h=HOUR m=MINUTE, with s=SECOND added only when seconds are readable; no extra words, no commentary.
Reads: h=12 m=24
